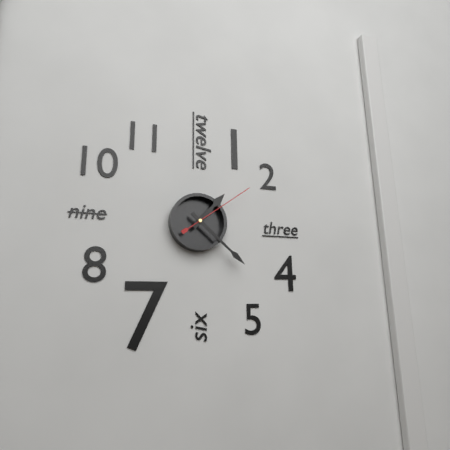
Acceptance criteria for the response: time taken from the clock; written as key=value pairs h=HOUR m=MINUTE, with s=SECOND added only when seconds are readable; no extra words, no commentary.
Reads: h=1 m=22 s=9
